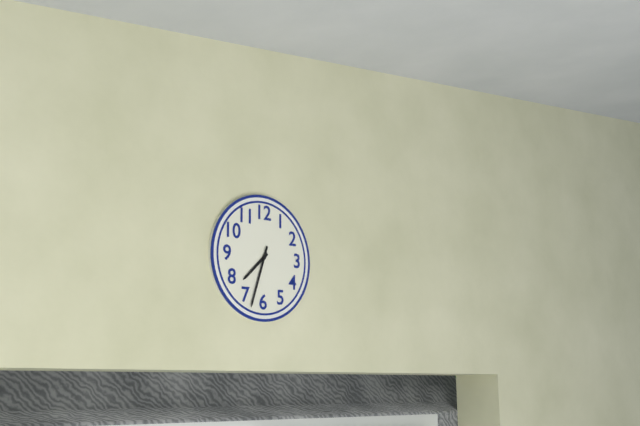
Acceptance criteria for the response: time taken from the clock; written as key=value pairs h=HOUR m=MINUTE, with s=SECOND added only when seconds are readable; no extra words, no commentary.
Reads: h=7 m=33
